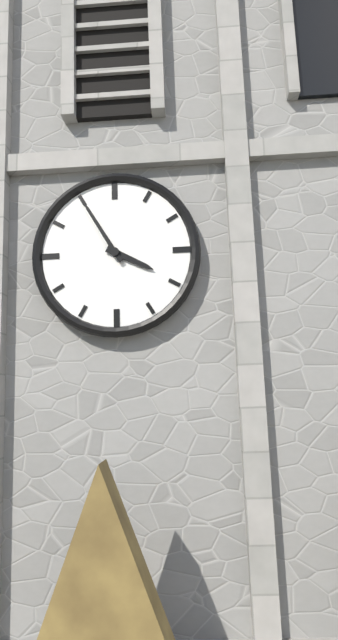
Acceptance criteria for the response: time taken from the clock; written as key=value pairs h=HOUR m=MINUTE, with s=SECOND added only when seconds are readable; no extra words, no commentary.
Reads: h=3 m=55
